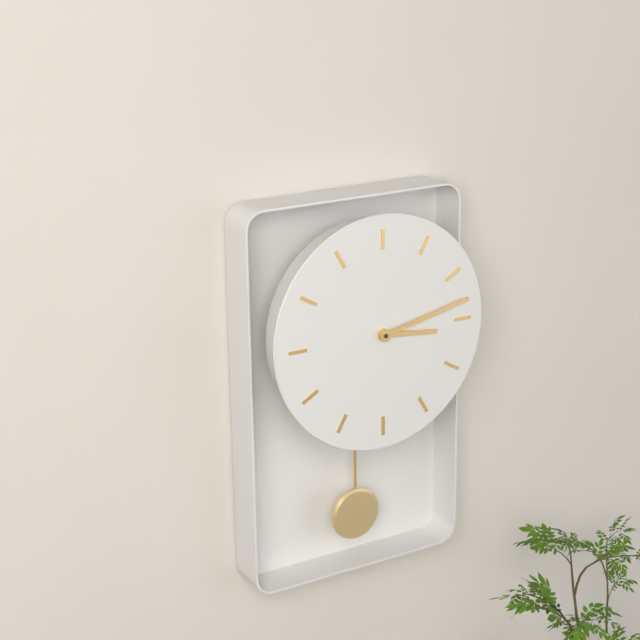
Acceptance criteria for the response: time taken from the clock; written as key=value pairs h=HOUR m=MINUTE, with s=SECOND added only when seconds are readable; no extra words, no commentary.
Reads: h=3 m=13
